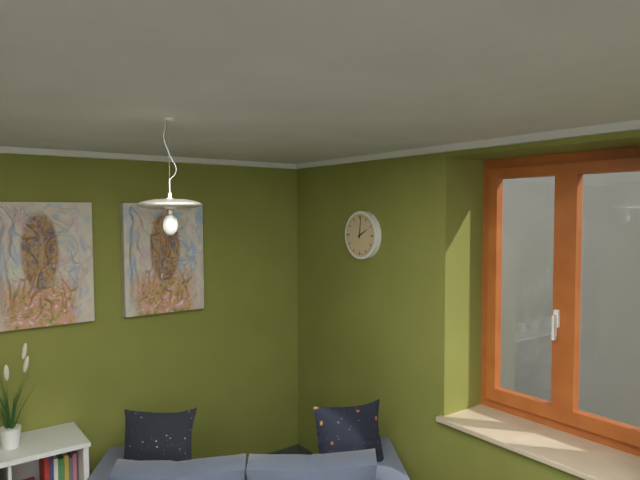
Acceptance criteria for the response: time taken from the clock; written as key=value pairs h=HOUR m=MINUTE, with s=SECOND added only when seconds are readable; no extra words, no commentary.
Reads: h=2 m=1
